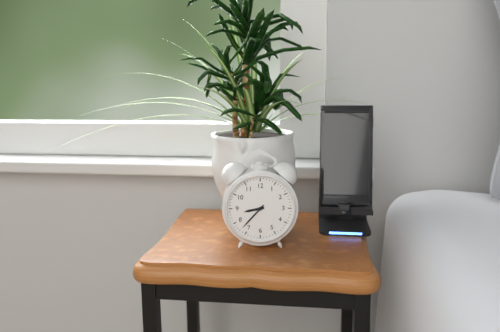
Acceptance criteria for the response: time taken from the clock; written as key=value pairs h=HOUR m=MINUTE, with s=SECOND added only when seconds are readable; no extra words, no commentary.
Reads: h=8 m=37
